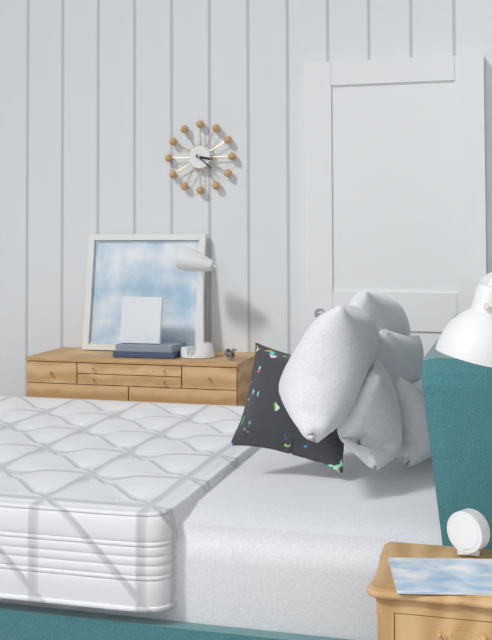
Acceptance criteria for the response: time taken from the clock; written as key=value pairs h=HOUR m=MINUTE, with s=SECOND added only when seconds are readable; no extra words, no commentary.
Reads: h=3 m=22
